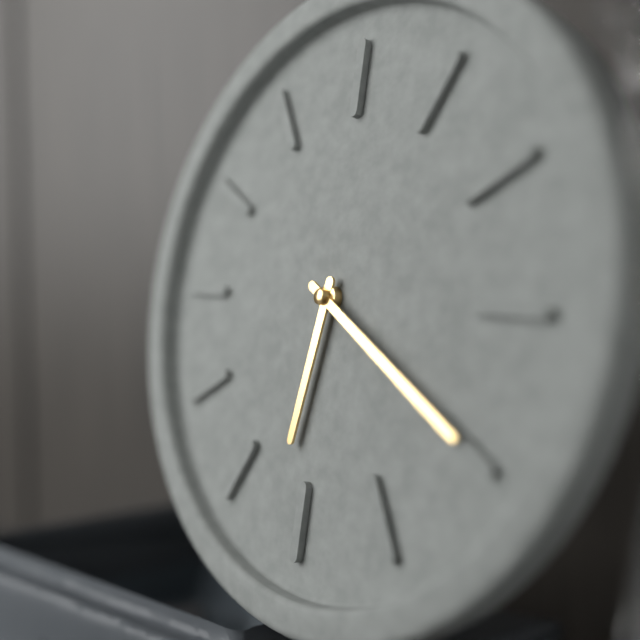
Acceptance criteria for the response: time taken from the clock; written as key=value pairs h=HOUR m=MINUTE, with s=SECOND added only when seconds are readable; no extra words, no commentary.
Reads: h=6 m=20
